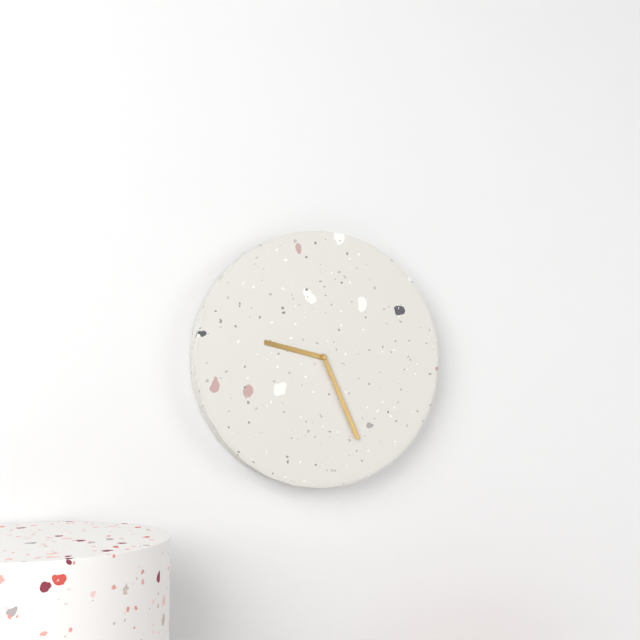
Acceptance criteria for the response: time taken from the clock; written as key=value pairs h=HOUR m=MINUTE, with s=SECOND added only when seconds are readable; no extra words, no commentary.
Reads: h=9 m=26
